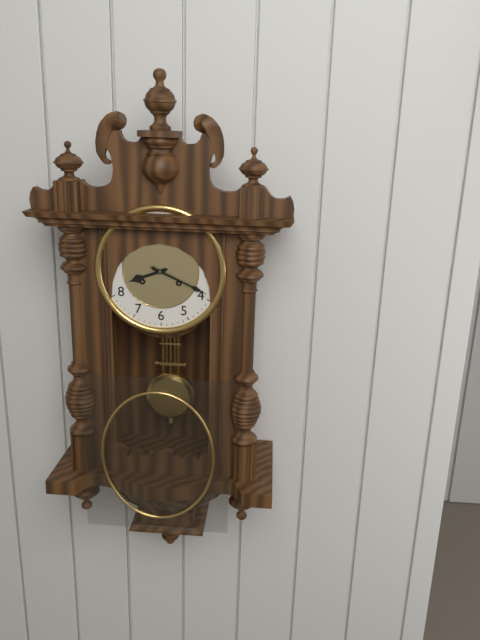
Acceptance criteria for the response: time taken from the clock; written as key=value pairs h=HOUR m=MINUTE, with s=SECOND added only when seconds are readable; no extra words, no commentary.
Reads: h=8 m=19
